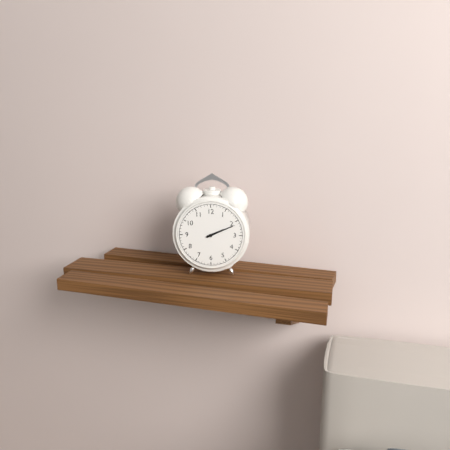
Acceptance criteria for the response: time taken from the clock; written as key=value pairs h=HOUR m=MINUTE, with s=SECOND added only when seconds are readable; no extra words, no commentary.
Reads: h=2 m=11
